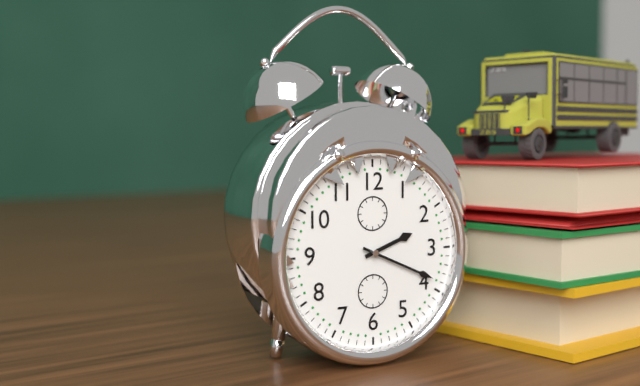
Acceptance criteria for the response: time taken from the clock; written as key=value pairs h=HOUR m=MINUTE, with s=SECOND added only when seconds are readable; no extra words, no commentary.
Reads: h=2 m=19
